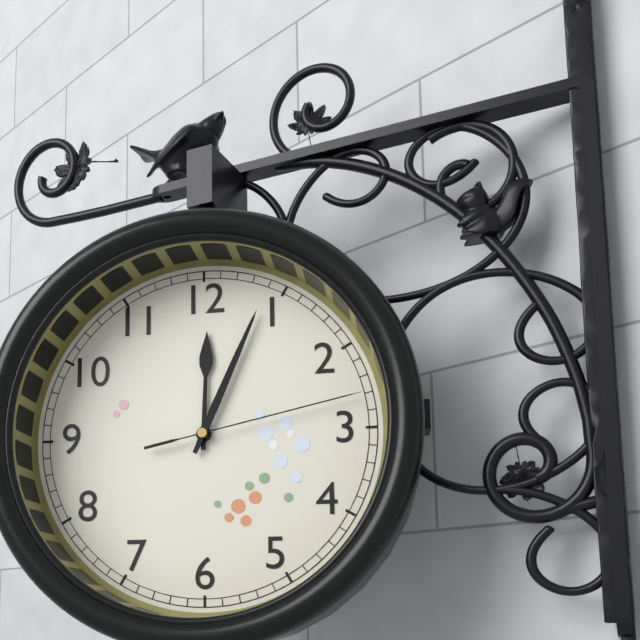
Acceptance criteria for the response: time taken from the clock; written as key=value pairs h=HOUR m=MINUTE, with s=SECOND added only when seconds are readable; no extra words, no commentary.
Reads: h=12 m=4 s=13
